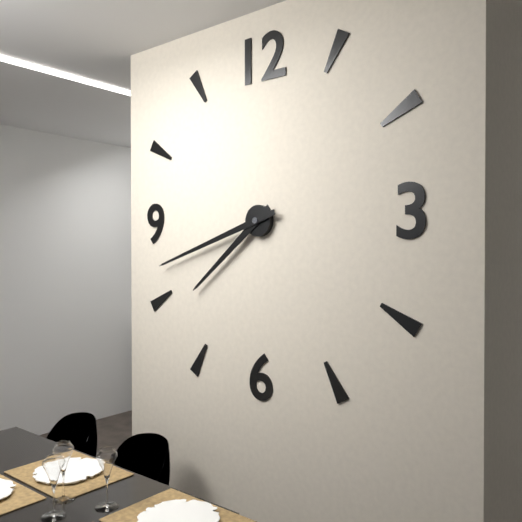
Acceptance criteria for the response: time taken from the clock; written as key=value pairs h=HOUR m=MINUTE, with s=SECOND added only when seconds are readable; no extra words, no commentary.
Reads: h=7 m=42
